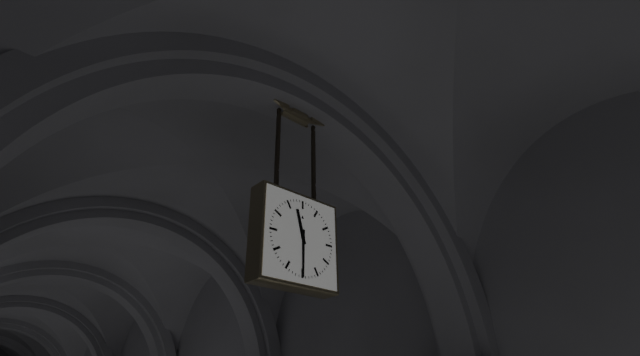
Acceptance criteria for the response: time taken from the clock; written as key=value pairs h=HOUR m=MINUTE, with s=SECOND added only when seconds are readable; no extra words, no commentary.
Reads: h=11 m=30
